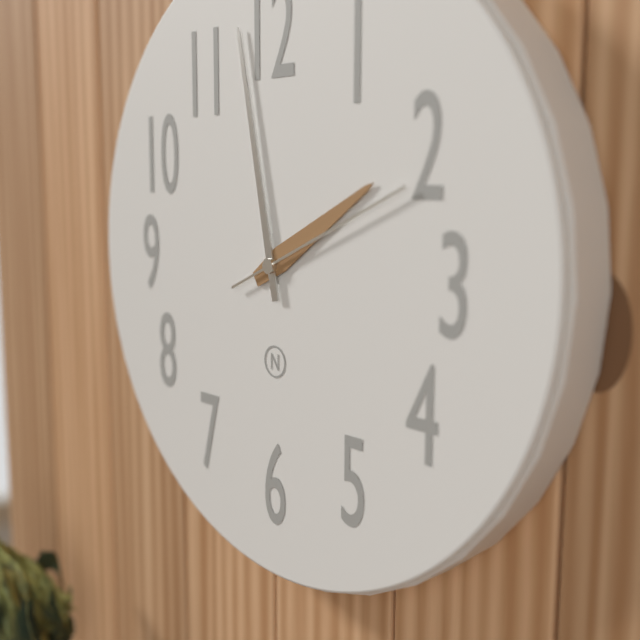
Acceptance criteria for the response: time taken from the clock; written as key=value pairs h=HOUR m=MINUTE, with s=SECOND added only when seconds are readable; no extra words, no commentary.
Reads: h=1 m=58 s=11
